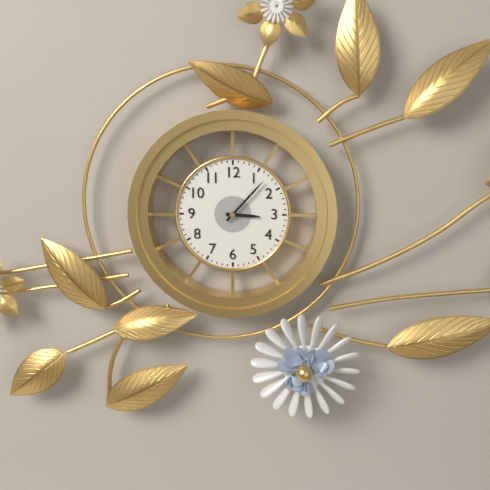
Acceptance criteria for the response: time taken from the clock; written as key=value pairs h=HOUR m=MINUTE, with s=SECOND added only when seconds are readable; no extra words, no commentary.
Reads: h=3 m=7
